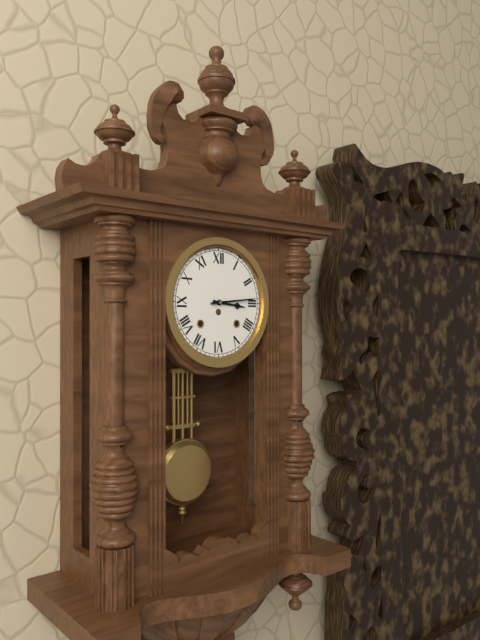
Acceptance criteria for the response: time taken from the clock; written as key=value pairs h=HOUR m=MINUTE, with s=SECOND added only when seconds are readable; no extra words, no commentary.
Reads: h=3 m=14
